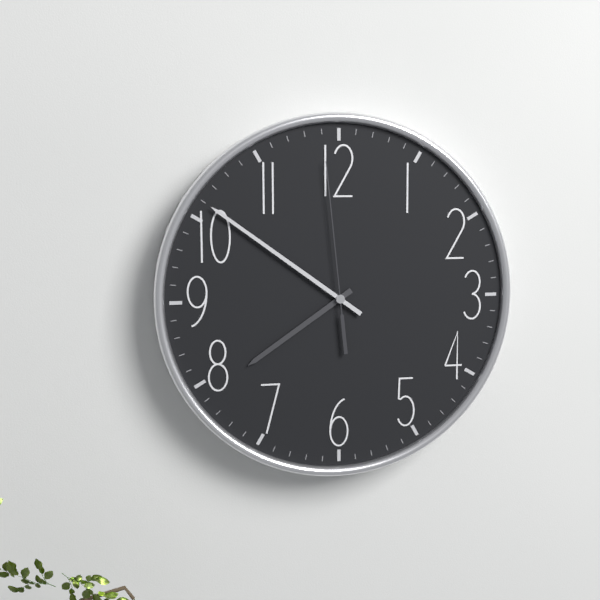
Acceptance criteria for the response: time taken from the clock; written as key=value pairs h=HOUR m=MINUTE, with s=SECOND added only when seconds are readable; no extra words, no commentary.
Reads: h=7 m=51 s=59
